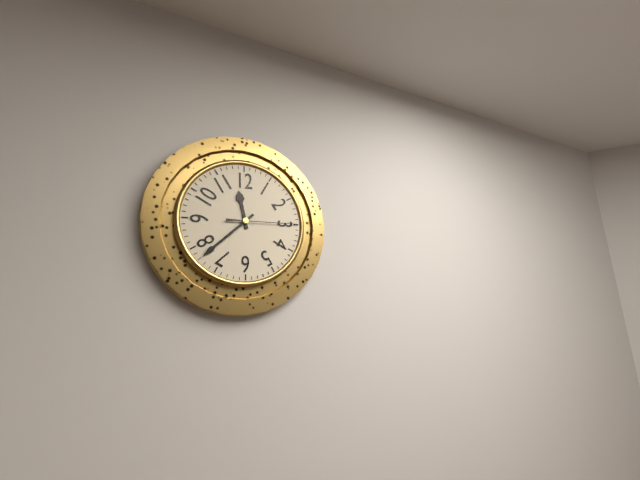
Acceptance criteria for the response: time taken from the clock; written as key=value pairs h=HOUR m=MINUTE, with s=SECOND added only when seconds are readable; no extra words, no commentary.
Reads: h=11 m=38 s=15
